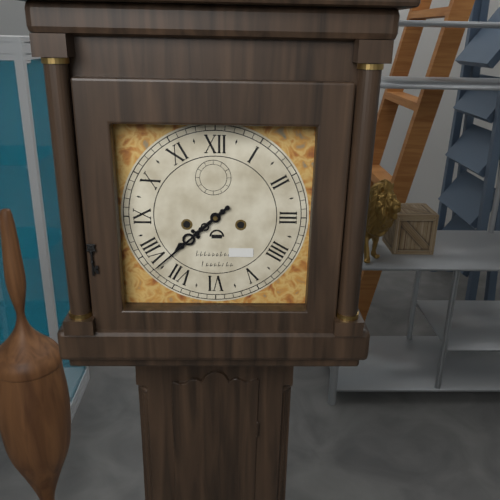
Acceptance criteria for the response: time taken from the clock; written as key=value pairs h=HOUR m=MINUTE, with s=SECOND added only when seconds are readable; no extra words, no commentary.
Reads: h=7 m=38
